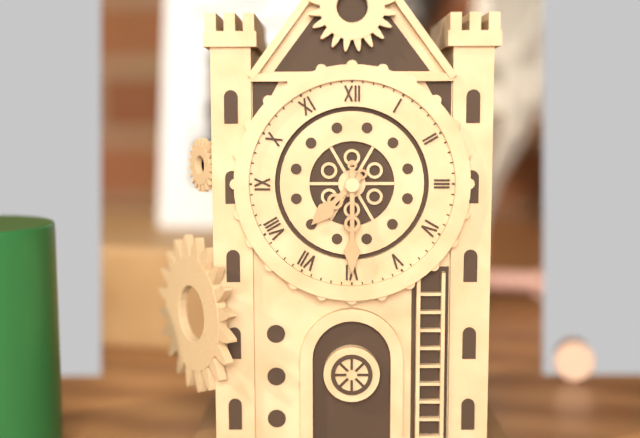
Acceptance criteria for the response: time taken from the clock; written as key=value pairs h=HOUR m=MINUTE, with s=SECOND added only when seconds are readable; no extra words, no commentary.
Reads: h=7 m=30
